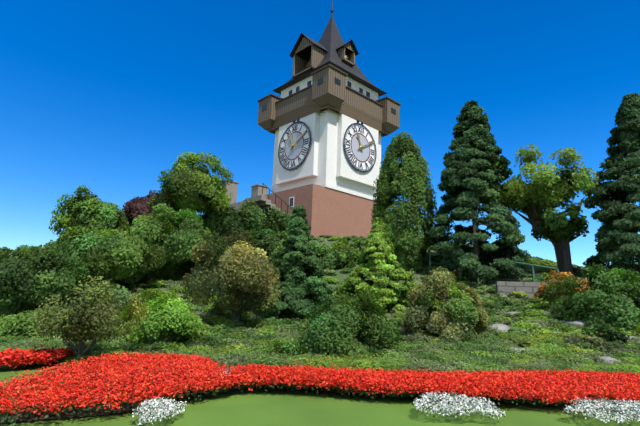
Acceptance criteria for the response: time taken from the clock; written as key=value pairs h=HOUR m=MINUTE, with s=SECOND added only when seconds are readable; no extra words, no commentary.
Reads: h=11 m=10
